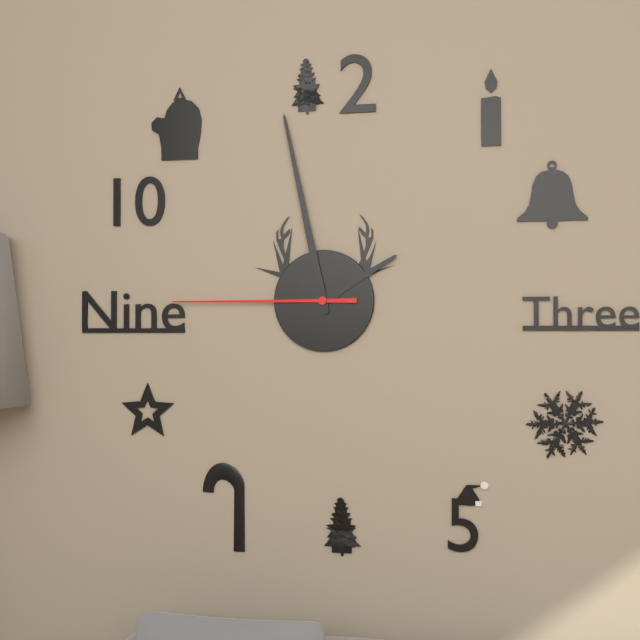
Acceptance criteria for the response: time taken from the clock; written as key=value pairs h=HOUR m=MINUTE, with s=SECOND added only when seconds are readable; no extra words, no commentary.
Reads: h=1 m=58 s=45
